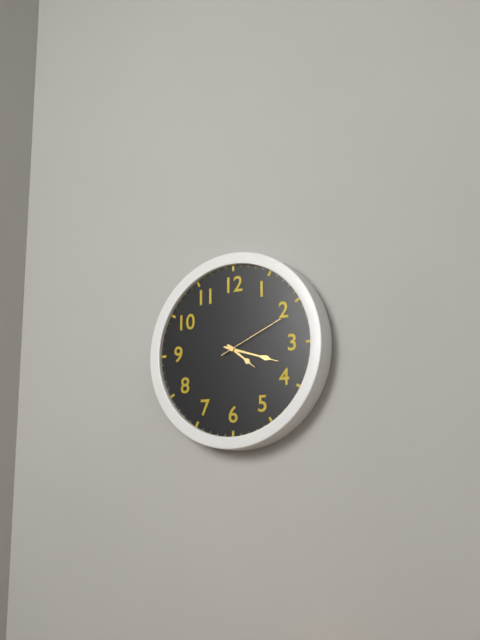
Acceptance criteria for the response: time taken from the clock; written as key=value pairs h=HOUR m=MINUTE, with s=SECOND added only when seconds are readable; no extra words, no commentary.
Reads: h=4 m=18 s=11
